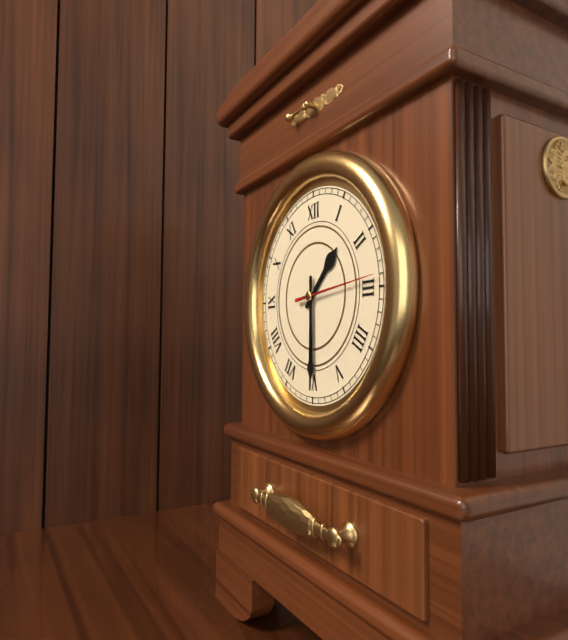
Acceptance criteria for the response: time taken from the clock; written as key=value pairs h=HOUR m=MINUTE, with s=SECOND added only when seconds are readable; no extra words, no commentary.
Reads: h=1 m=30 s=14
